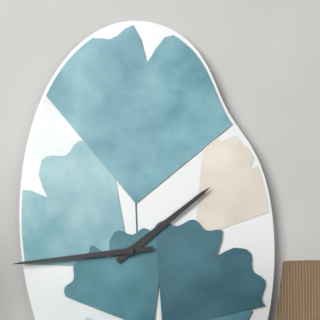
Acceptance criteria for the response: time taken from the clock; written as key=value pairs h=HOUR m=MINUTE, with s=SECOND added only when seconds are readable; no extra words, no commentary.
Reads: h=1 m=44
